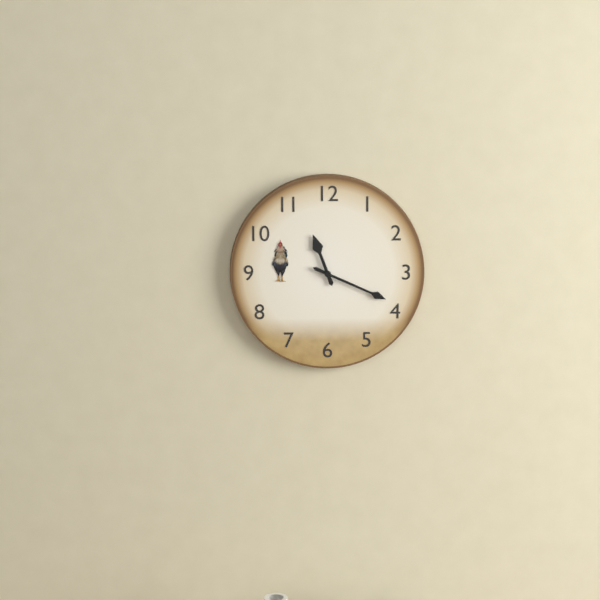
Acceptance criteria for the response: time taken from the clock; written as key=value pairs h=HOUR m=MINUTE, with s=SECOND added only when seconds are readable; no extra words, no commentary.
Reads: h=11 m=19
